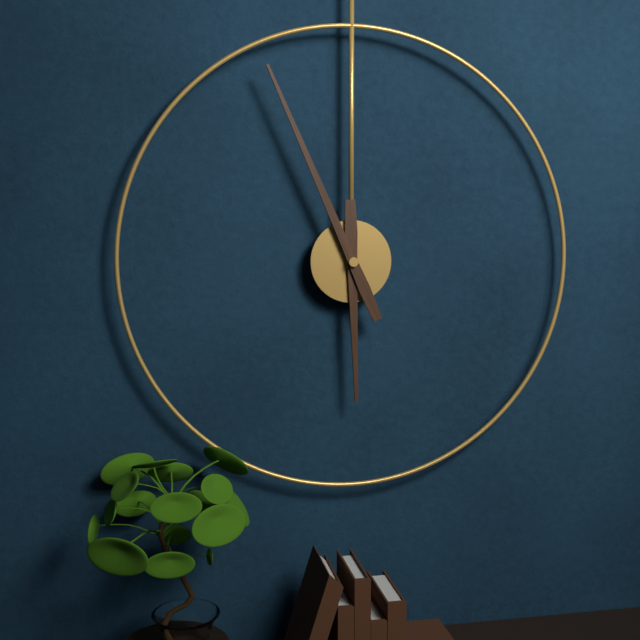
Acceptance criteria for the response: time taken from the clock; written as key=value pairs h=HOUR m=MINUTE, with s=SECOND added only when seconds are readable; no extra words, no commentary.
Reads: h=5 m=56
